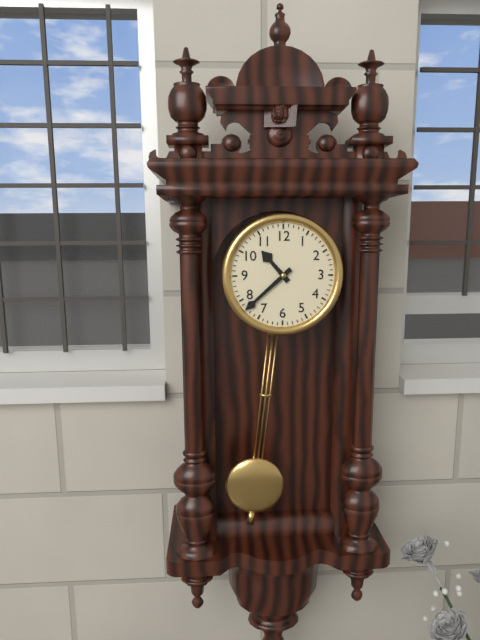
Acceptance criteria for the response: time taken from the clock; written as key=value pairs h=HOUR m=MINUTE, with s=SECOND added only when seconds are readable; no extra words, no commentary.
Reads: h=10 m=38
